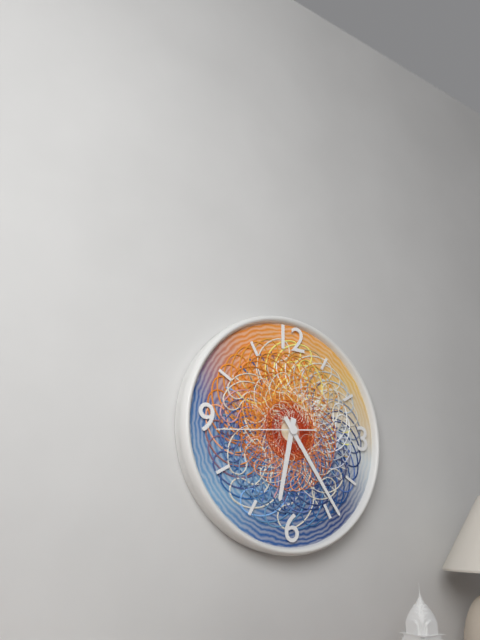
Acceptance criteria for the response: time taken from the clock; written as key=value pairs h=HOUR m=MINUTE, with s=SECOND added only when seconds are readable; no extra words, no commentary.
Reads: h=6 m=24 s=44
